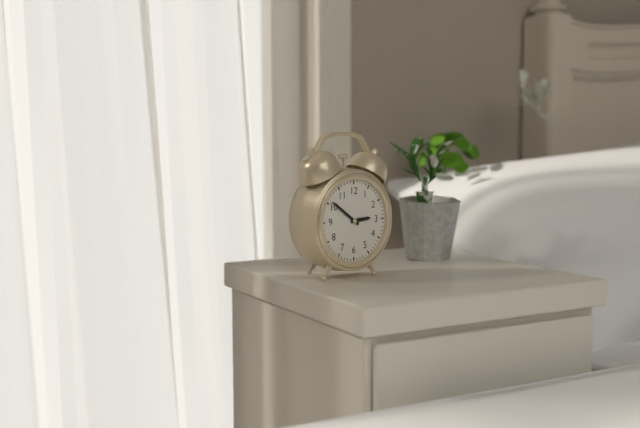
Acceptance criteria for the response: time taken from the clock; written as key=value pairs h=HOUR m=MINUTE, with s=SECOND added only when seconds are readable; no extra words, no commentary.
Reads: h=2 m=51
